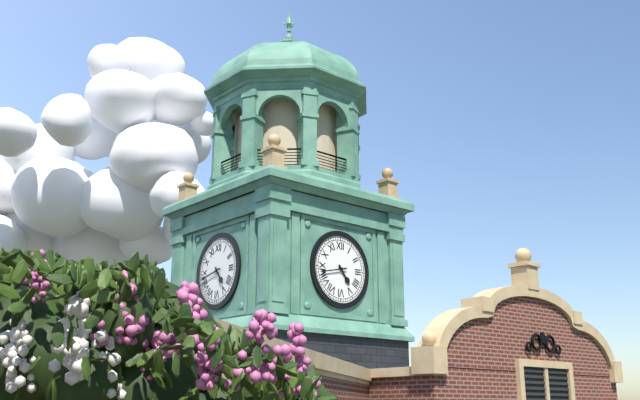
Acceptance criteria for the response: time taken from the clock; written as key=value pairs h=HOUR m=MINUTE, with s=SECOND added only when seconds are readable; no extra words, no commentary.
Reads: h=4 m=43
